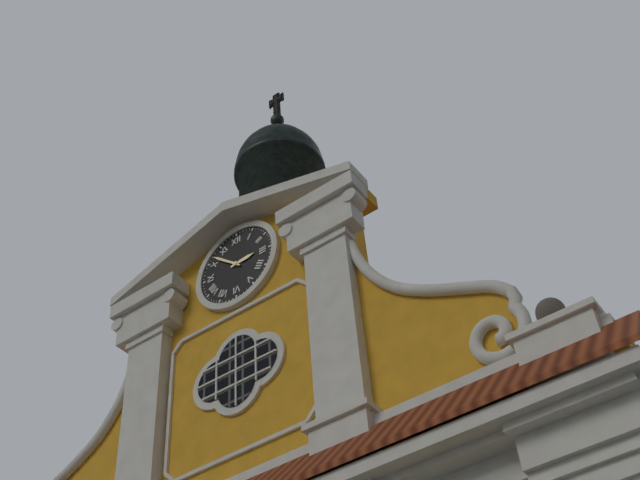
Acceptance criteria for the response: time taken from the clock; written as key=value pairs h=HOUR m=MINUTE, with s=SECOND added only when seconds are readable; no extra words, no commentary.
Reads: h=2 m=52
